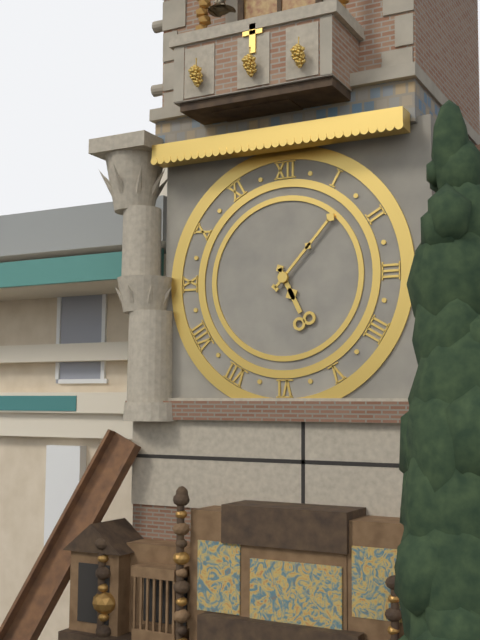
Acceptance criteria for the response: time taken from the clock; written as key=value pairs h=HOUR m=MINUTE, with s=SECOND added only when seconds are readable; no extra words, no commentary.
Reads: h=5 m=7
